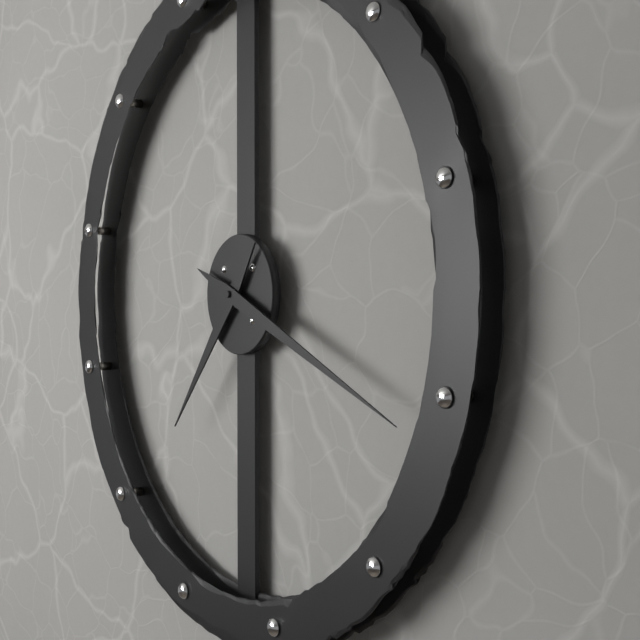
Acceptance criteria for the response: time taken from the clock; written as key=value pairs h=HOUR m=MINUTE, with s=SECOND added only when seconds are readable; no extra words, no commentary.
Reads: h=7 m=19
